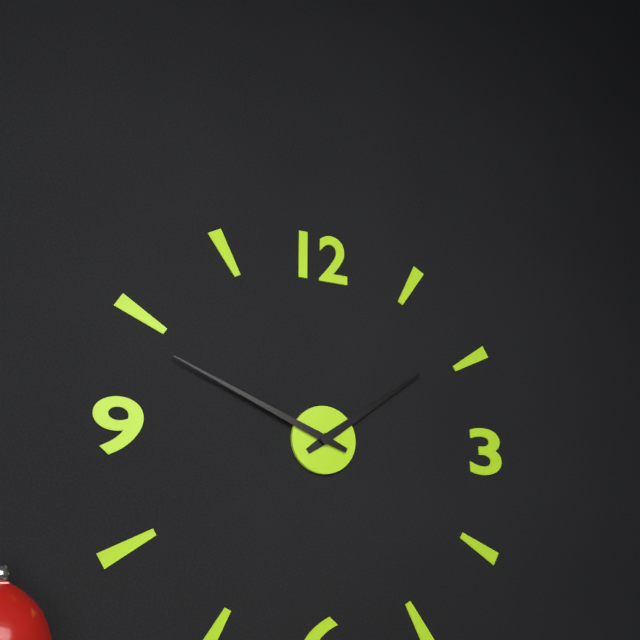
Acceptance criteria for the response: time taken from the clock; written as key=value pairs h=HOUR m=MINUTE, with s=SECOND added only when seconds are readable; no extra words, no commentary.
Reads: h=1 m=49
